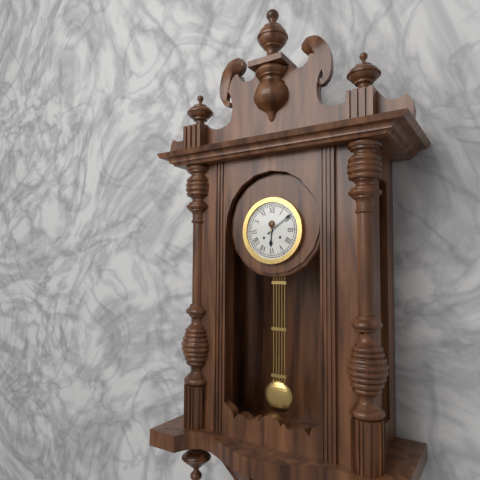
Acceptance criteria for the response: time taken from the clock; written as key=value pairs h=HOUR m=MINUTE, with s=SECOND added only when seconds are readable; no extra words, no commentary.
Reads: h=6 m=9
